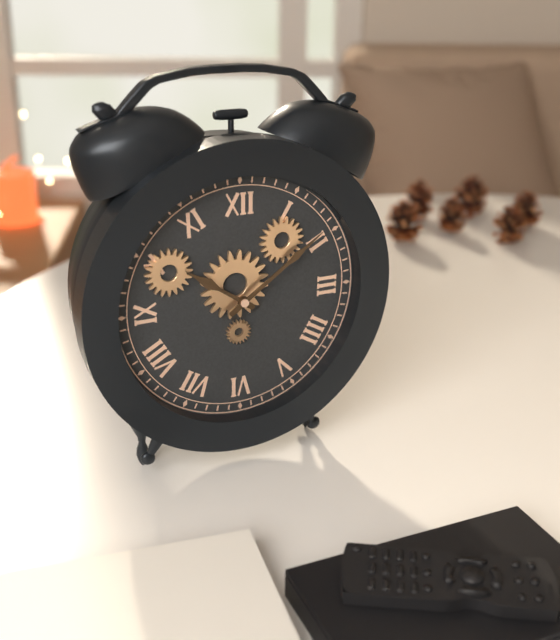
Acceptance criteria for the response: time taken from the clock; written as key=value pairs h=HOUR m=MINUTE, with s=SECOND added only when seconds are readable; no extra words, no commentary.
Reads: h=10 m=9
